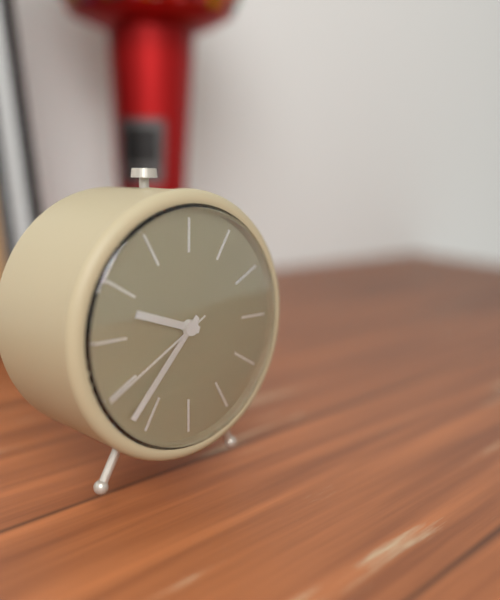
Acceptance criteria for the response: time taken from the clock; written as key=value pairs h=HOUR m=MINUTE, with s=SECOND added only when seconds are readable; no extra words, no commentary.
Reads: h=9 m=37 s=40
